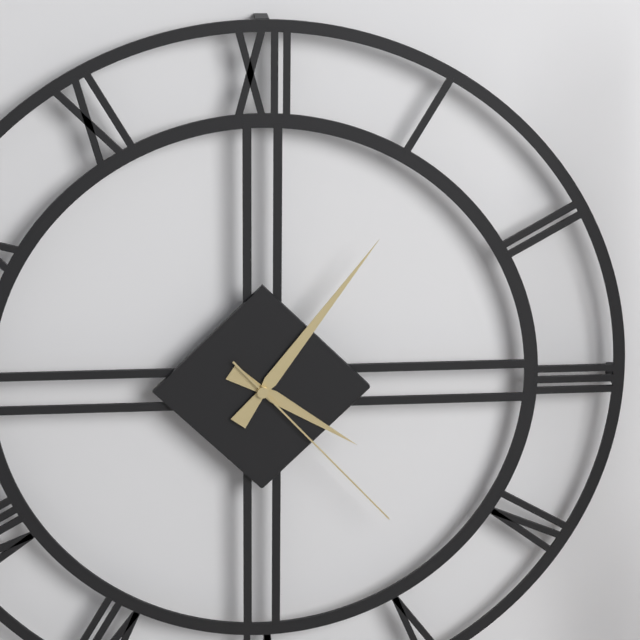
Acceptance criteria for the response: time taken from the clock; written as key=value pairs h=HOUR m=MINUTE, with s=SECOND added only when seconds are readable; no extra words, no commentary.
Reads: h=4 m=6 s=23
